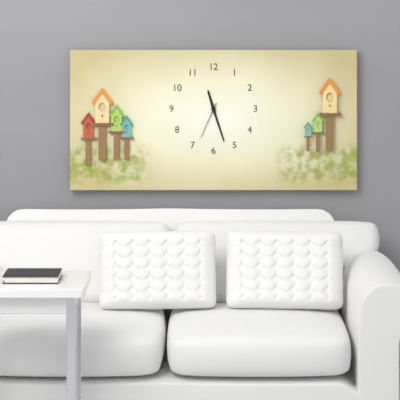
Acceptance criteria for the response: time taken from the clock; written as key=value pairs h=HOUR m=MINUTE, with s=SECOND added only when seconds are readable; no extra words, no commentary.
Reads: h=11 m=27
